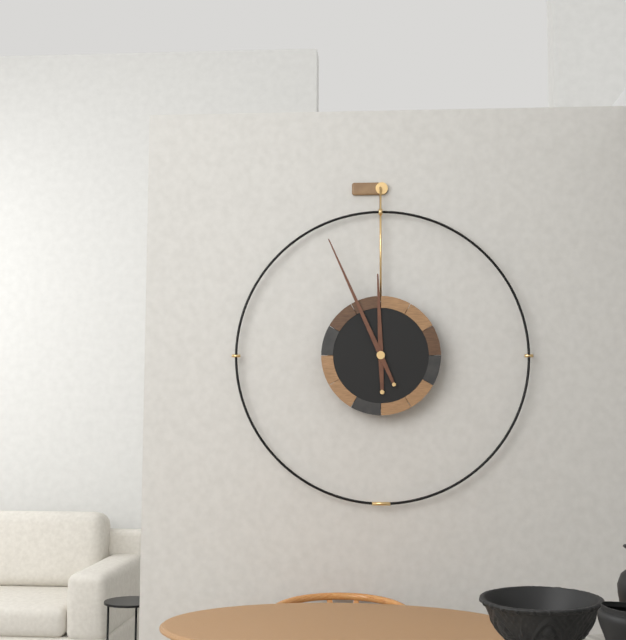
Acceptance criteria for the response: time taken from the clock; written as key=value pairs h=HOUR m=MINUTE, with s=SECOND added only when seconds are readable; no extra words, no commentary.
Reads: h=11 m=56
